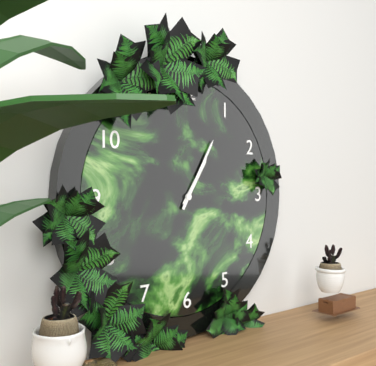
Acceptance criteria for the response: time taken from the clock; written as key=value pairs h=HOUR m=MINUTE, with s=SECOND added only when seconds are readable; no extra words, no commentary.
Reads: h=1 m=5
